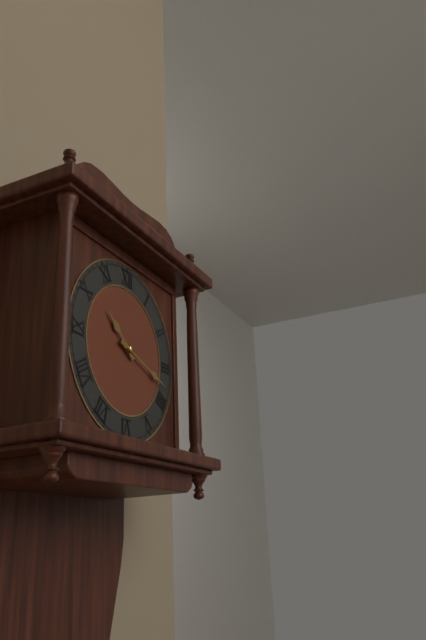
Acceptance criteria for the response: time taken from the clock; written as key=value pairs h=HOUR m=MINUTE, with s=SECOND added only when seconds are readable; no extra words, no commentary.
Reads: h=10 m=18
